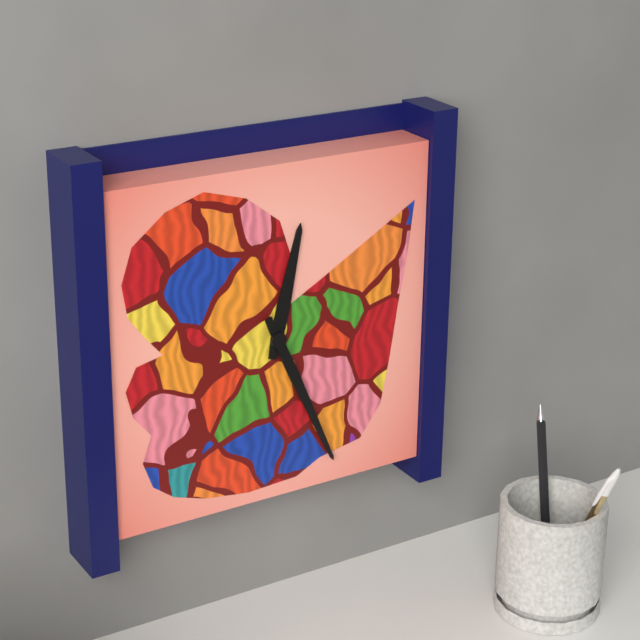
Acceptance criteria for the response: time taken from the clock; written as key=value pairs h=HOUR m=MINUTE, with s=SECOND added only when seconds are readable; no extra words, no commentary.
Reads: h=12 m=26
